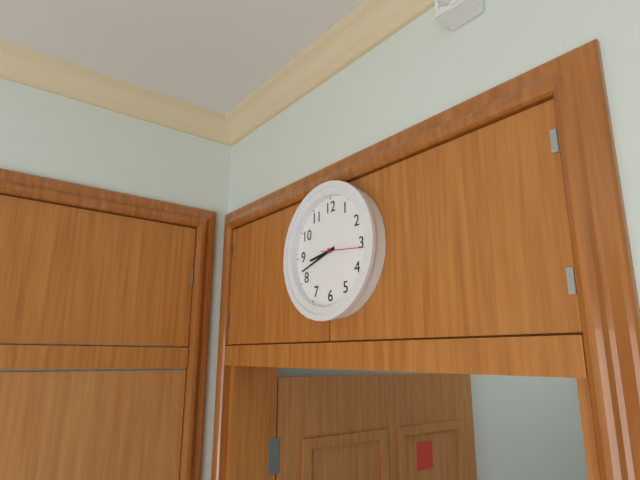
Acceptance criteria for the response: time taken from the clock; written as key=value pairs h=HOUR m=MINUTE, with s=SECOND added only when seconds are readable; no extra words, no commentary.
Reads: h=8 m=42
